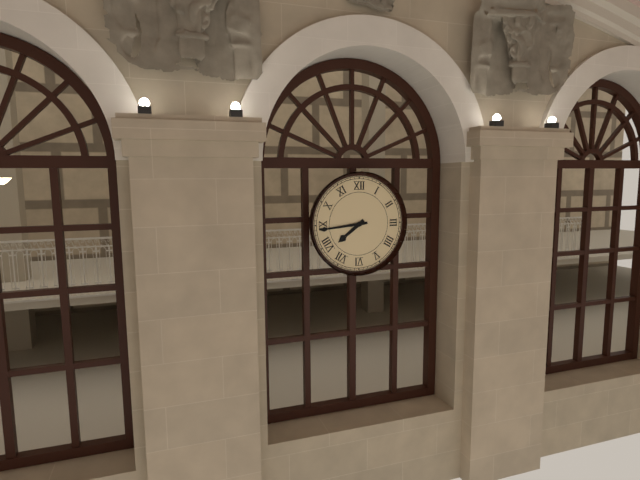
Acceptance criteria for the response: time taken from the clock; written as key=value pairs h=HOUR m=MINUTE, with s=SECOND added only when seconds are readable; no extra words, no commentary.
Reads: h=7 m=44
